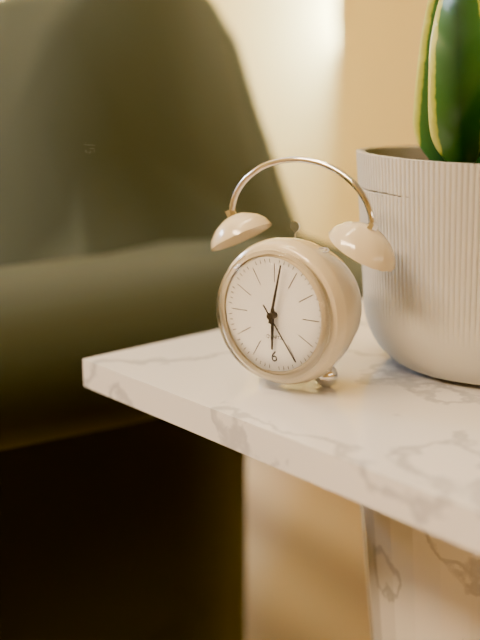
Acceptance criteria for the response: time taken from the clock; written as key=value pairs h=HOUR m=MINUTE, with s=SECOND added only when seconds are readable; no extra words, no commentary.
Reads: h=6 m=2 s=24
